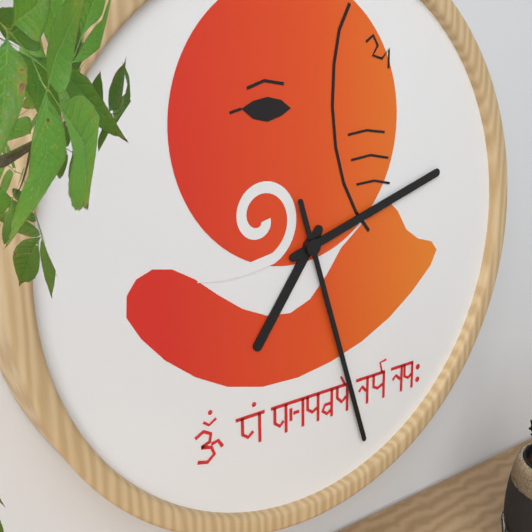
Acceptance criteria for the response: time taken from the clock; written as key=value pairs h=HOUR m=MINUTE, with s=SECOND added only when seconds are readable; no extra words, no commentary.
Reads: h=7 m=12 s=27
